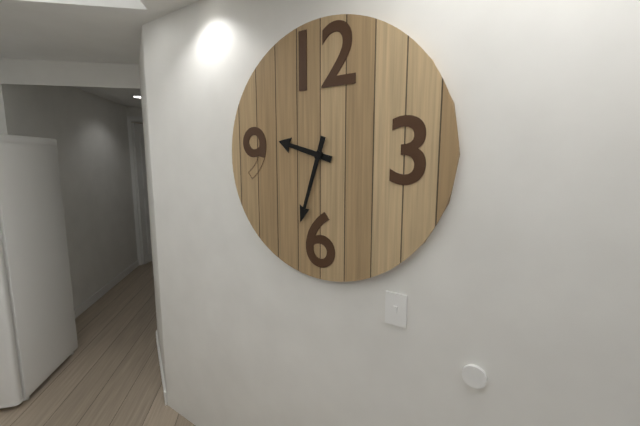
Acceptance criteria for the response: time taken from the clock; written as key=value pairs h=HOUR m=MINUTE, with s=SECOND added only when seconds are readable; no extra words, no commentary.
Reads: h=9 m=33
